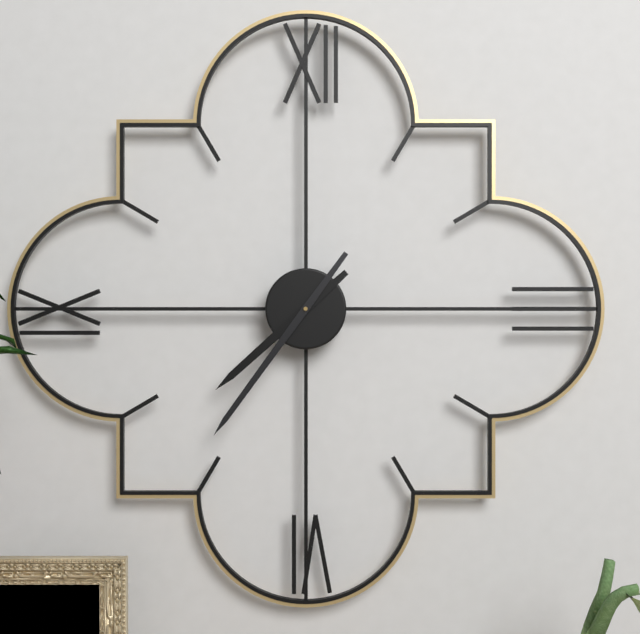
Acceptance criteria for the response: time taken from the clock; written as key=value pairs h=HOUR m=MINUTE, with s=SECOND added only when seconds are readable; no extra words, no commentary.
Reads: h=7 m=36
